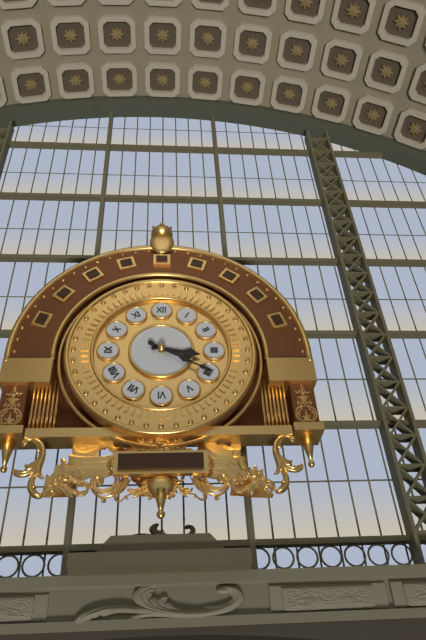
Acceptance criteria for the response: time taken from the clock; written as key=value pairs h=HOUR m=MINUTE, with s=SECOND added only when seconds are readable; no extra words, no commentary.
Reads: h=3 m=20
